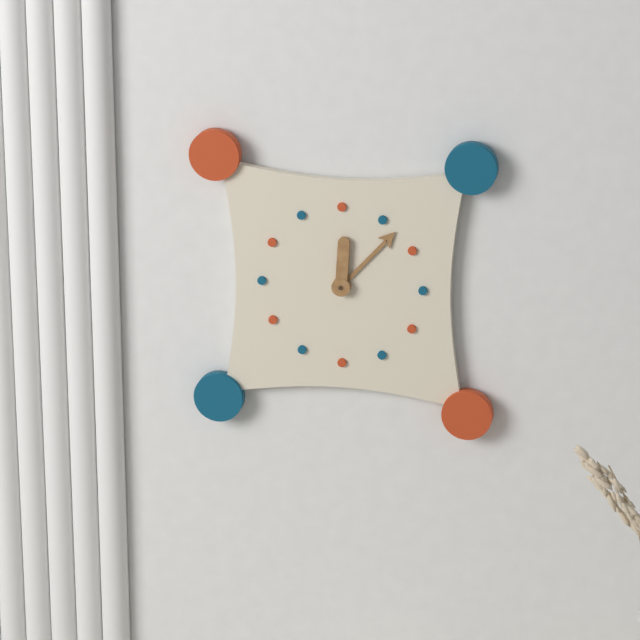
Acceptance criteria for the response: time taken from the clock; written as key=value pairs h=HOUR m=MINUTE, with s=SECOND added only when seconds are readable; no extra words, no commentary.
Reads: h=12 m=7
